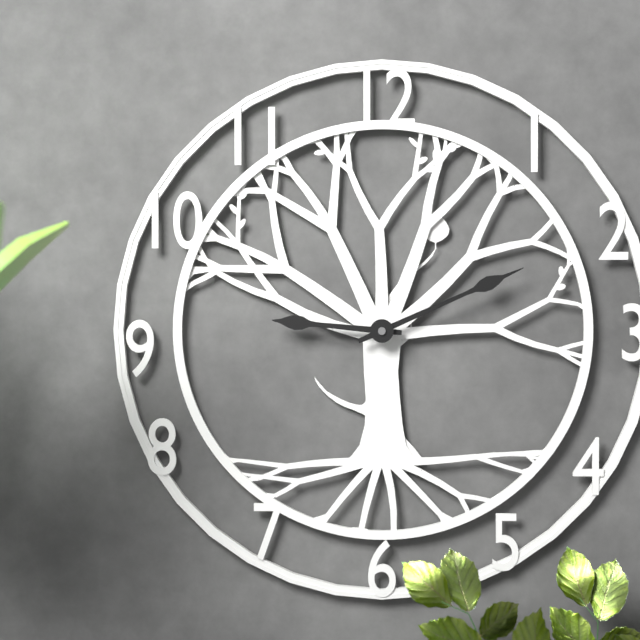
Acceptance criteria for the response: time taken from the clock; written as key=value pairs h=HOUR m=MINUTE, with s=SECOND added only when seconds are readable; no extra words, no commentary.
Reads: h=9 m=11
